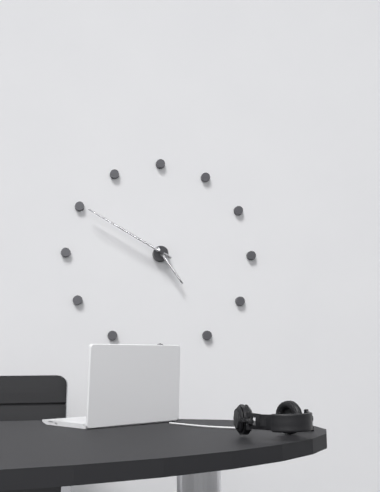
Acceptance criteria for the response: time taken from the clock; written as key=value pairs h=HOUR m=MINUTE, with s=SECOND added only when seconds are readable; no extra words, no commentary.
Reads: h=4 m=50
